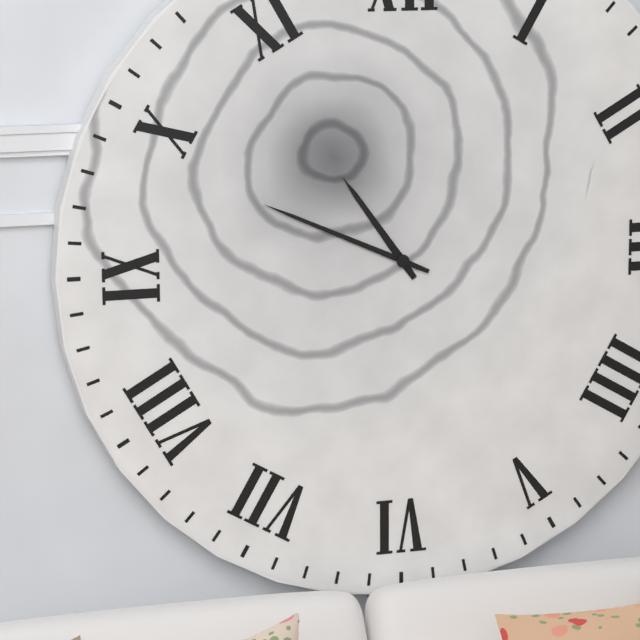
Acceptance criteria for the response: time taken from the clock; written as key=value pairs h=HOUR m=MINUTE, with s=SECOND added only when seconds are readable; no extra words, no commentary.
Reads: h=10 m=49
